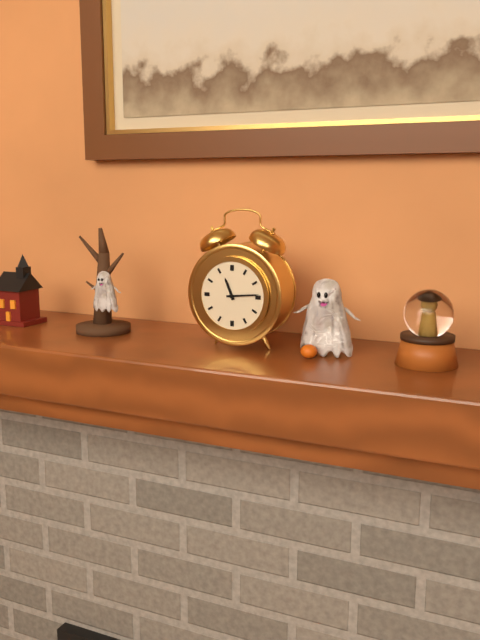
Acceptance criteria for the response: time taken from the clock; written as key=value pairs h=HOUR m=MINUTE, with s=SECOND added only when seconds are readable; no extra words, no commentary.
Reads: h=11 m=14
